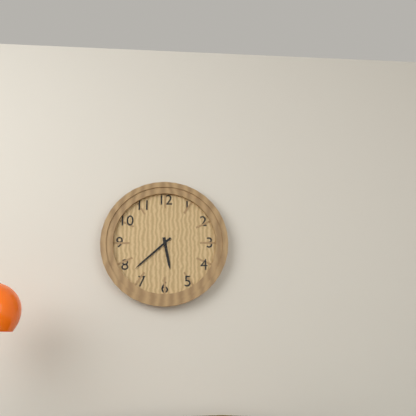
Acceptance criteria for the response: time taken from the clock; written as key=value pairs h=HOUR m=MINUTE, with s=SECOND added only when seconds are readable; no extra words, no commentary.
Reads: h=5 m=38
